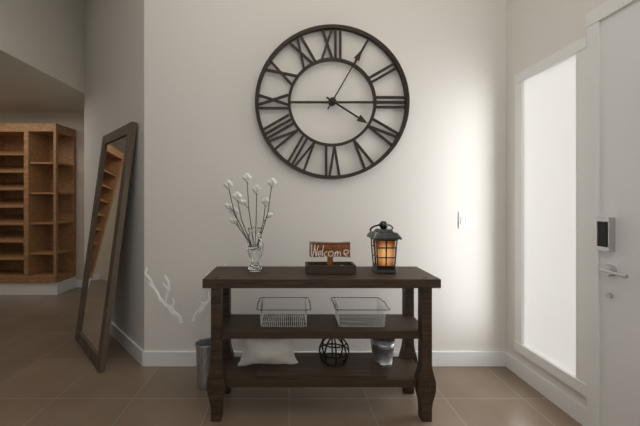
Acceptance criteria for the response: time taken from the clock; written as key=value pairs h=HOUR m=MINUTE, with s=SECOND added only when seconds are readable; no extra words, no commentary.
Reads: h=4 m=5
